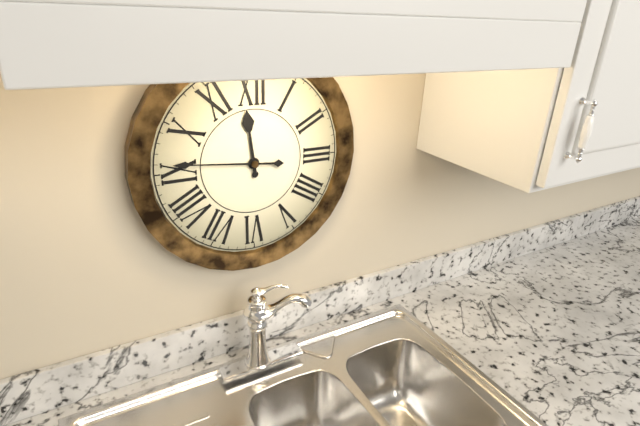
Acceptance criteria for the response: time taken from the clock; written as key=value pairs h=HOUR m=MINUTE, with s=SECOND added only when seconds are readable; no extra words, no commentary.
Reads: h=11 m=46
